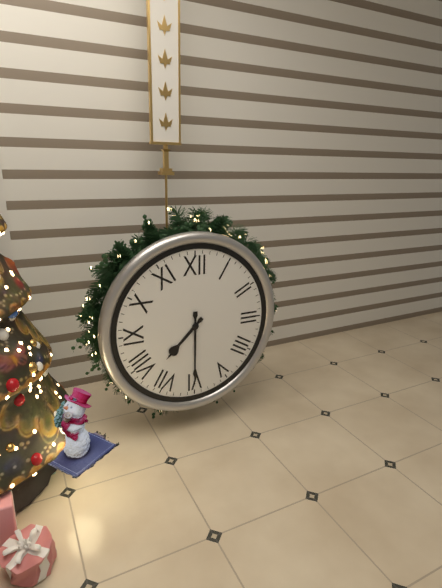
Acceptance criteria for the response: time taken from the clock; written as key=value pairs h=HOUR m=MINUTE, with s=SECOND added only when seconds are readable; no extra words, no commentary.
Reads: h=7 m=30
